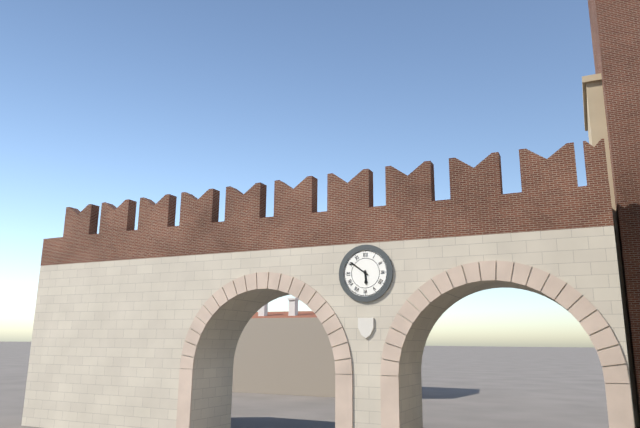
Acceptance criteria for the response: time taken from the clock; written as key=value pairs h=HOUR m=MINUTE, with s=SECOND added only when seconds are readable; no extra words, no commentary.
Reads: h=5 m=51
